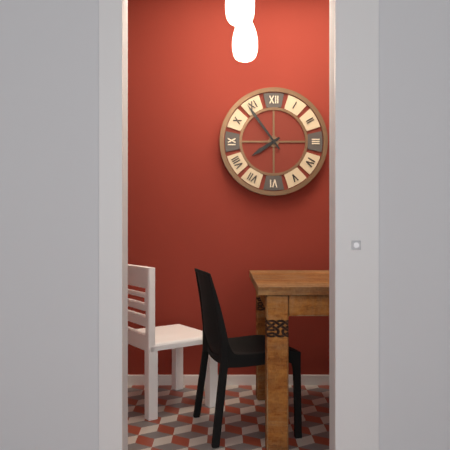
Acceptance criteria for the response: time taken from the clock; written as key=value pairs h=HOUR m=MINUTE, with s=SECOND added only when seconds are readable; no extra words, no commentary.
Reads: h=7 m=54
